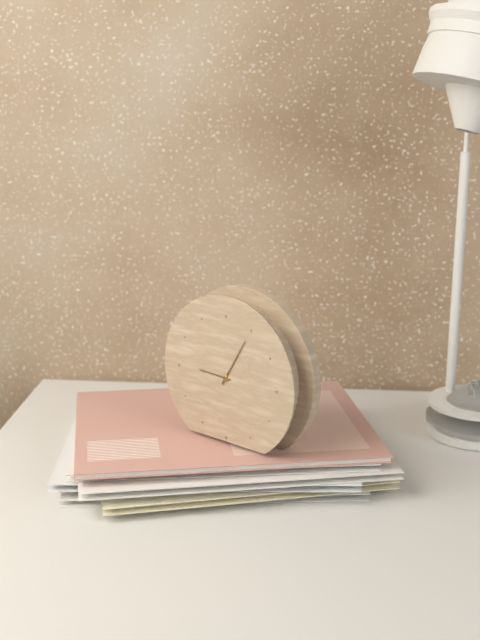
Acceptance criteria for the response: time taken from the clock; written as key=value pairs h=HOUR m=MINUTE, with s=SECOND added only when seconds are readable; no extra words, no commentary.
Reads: h=9 m=5
